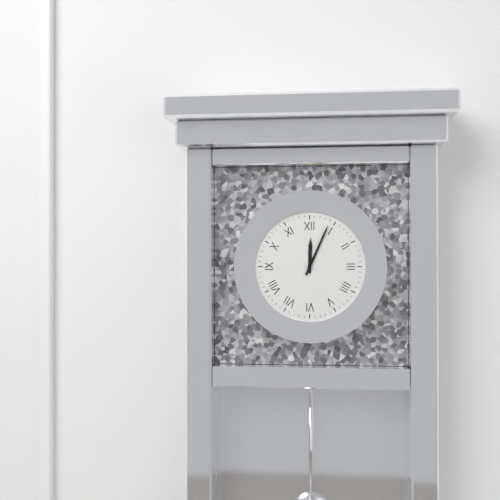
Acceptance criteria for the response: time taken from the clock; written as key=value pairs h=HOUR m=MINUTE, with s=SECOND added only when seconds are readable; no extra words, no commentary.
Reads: h=12 m=4
